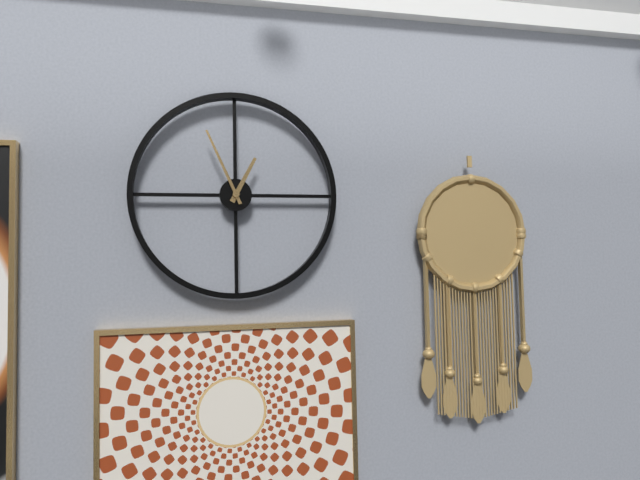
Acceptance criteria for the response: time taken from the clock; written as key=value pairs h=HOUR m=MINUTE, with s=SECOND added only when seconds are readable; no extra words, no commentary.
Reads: h=12 m=56
